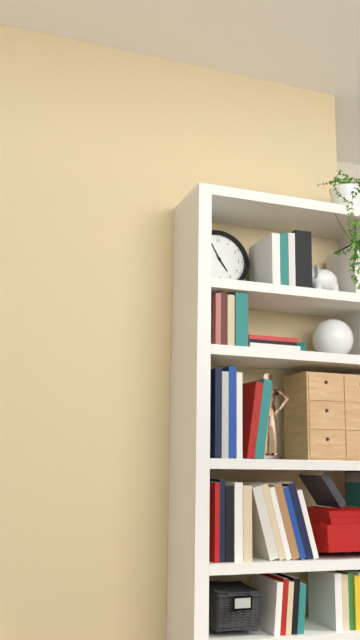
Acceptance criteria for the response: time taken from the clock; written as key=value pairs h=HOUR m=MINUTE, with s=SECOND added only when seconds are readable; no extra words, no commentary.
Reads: h=4 m=56
